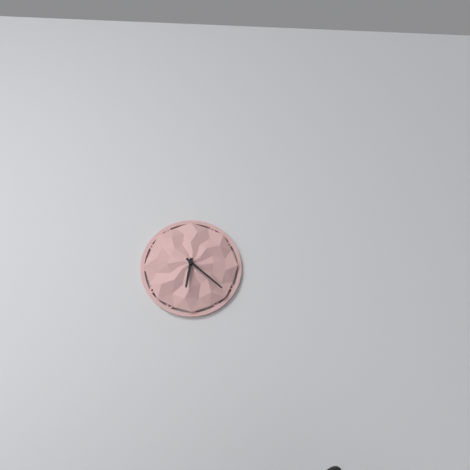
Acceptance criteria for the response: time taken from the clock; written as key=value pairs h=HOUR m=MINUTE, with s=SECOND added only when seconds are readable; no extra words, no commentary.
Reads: h=6 m=22
